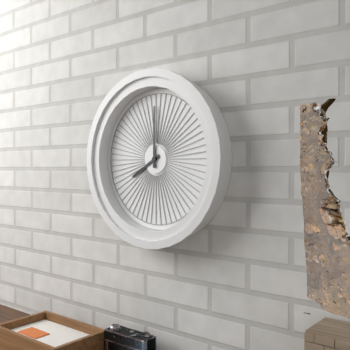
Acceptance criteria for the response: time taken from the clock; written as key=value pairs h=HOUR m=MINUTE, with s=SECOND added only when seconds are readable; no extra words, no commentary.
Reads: h=8 m=0
